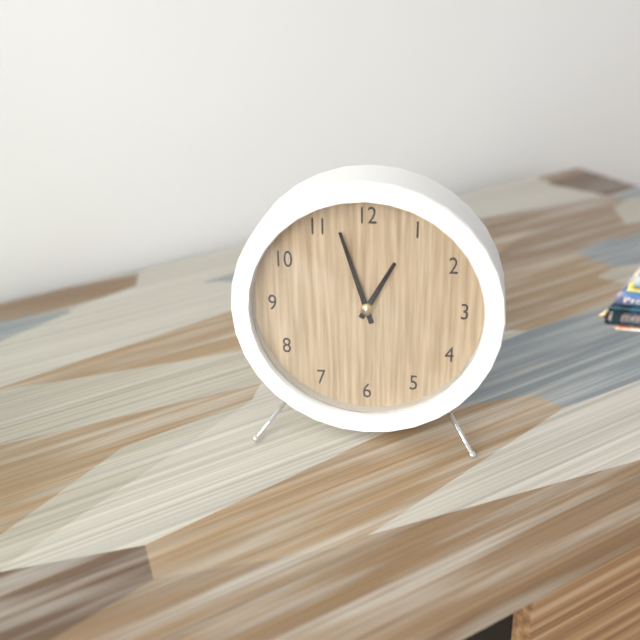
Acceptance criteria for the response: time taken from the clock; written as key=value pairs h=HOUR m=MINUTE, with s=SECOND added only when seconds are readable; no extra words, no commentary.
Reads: h=12 m=57
